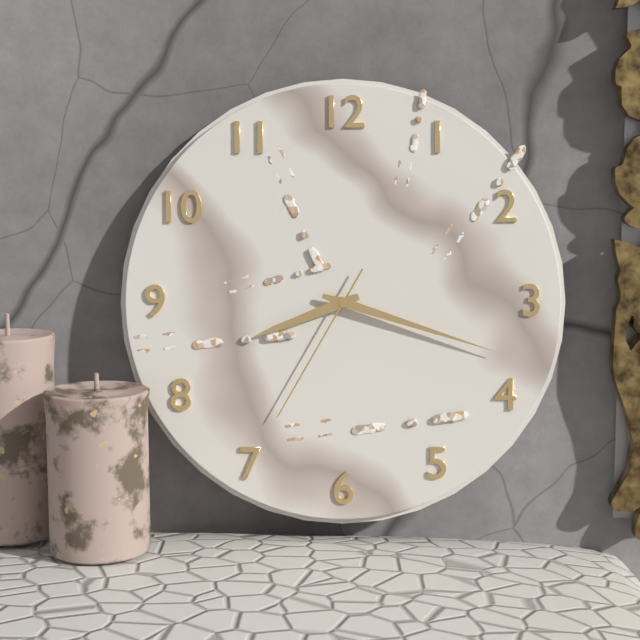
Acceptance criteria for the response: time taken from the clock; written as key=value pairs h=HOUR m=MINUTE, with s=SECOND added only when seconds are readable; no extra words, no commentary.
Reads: h=8 m=18 s=35
